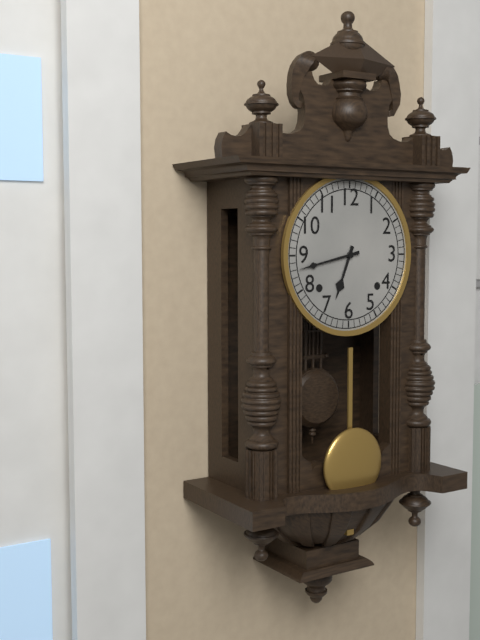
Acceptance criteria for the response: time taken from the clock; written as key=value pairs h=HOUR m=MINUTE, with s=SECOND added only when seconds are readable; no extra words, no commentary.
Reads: h=6 m=43
